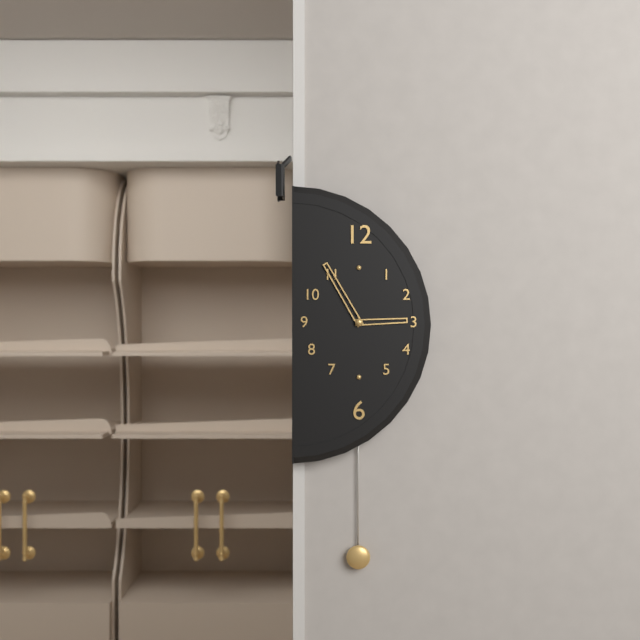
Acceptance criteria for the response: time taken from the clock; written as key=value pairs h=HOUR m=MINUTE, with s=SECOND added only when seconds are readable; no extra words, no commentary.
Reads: h=2 m=55
